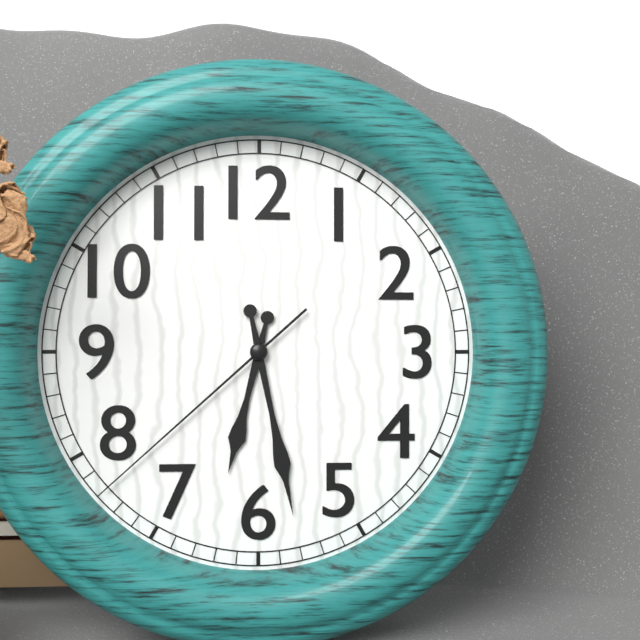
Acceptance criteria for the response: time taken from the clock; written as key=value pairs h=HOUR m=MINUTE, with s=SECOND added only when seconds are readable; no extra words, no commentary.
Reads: h=6 m=28 s=38
